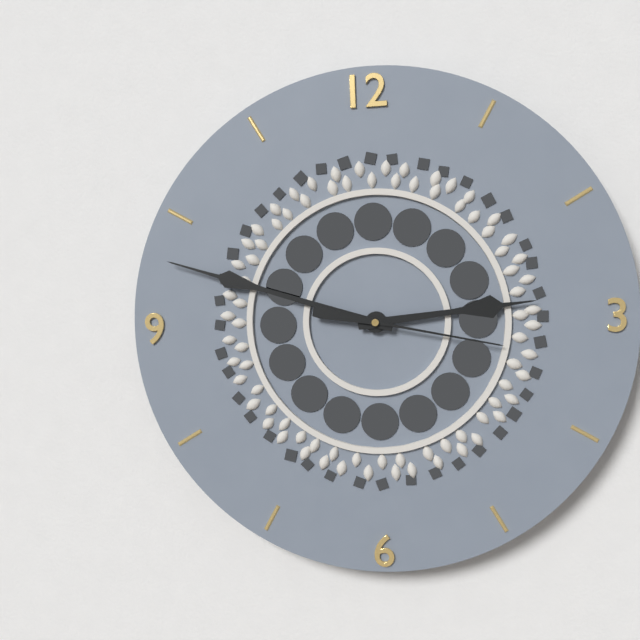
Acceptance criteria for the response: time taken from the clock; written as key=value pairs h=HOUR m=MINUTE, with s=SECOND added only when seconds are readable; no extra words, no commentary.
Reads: h=2 m=48 s=17
